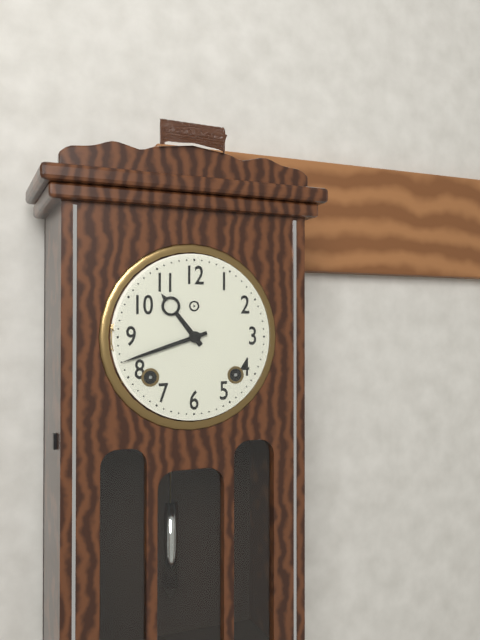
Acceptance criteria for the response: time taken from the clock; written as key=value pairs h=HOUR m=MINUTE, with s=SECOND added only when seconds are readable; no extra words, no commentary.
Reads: h=10 m=42
